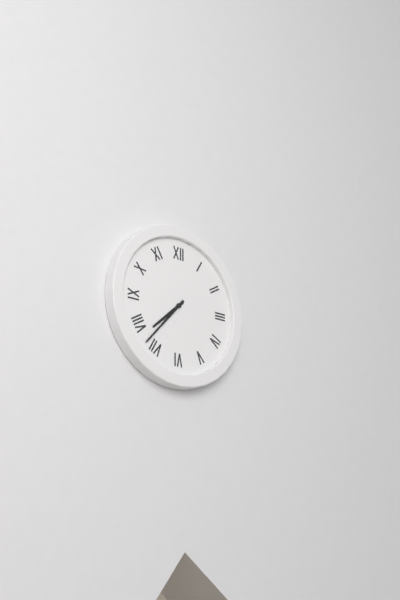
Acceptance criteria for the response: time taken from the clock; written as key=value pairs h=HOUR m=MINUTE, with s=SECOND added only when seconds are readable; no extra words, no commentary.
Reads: h=7 m=37
